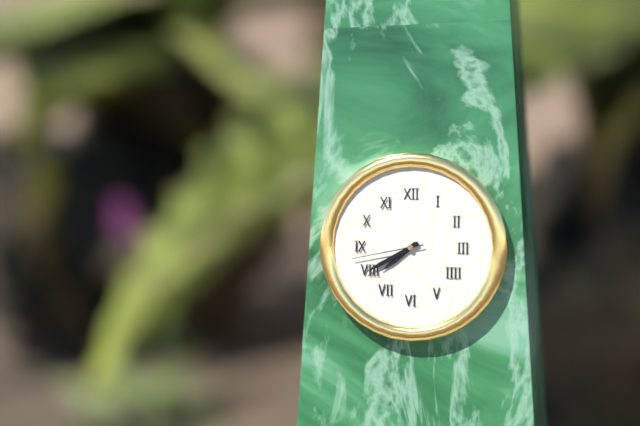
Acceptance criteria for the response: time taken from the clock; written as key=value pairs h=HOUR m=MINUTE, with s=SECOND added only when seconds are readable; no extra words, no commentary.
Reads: h=7 m=40 s=43
